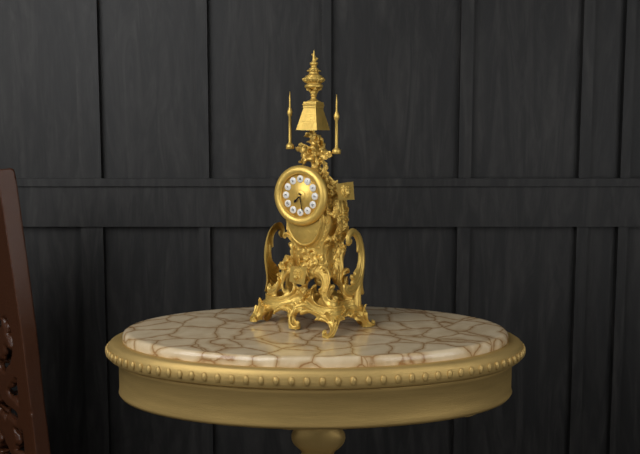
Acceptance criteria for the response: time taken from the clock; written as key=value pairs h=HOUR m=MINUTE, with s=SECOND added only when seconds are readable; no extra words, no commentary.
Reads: h=7 m=28
